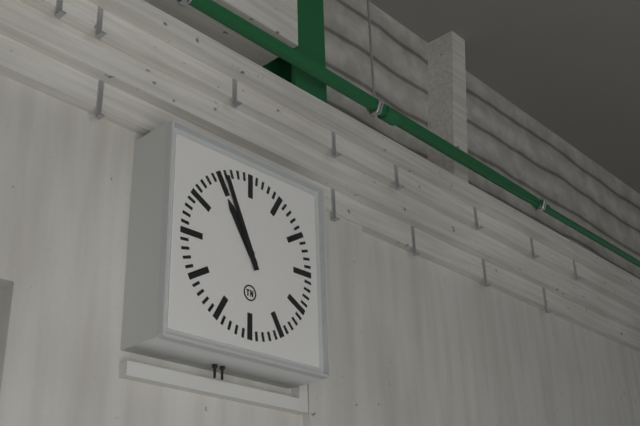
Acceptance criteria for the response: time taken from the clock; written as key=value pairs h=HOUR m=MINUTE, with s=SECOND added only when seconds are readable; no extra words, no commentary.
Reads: h=10 m=56
